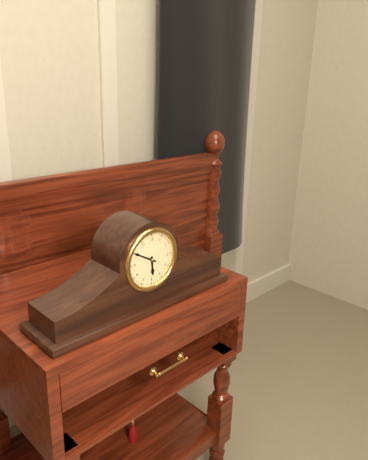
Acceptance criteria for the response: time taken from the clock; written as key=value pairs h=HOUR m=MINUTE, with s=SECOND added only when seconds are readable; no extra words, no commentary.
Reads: h=5 m=50
